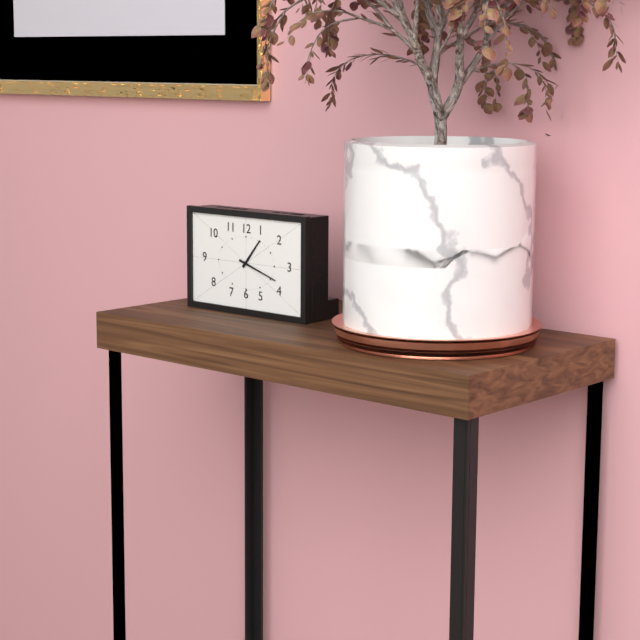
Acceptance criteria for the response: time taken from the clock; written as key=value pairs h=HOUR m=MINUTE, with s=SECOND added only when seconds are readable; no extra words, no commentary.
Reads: h=1 m=18
